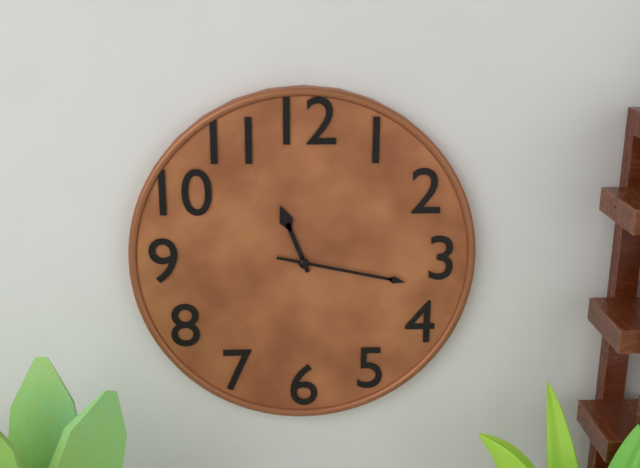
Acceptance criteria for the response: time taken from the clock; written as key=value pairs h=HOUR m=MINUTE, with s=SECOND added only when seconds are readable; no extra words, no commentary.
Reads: h=11 m=17
